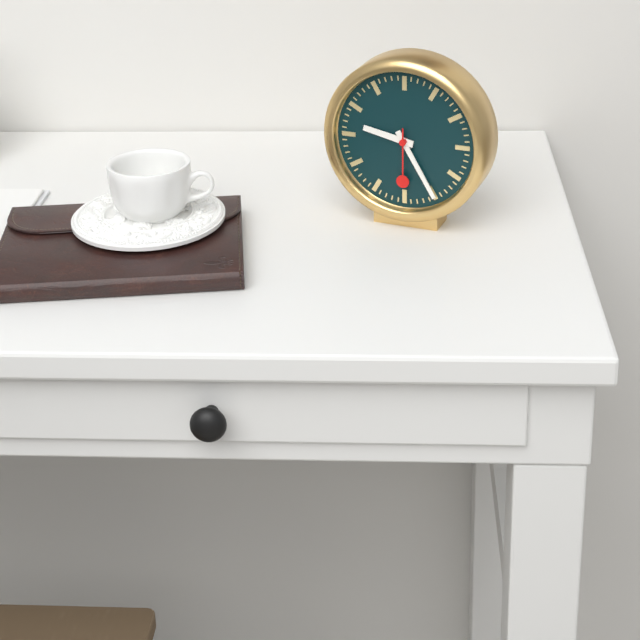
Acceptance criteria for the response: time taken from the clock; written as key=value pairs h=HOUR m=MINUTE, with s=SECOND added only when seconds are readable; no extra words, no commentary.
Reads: h=9 m=25 s=30
